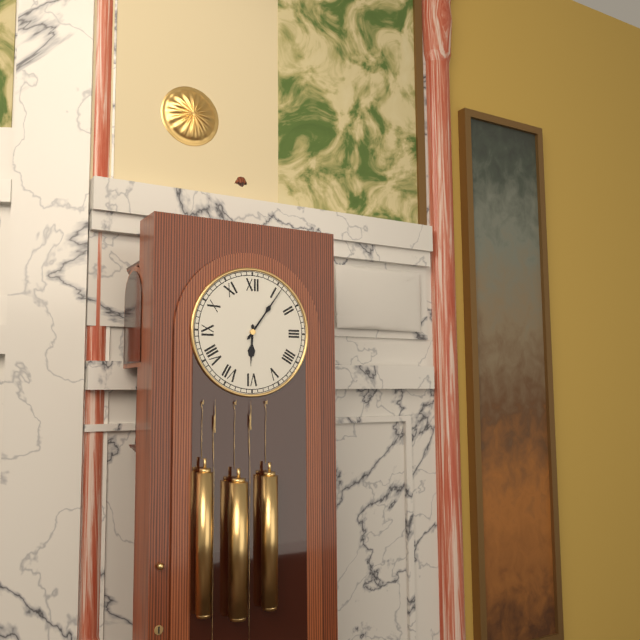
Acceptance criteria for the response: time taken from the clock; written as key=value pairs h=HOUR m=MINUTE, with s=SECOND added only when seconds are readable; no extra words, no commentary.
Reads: h=6 m=6
